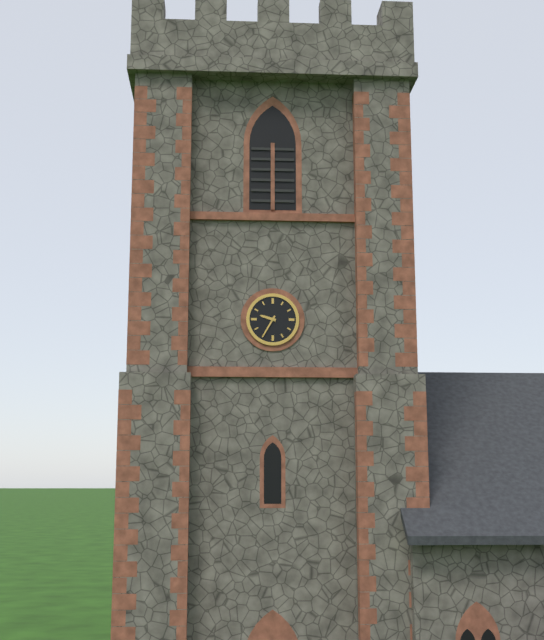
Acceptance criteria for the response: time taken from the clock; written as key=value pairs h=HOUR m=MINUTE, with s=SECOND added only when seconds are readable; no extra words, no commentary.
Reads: h=9 m=35
